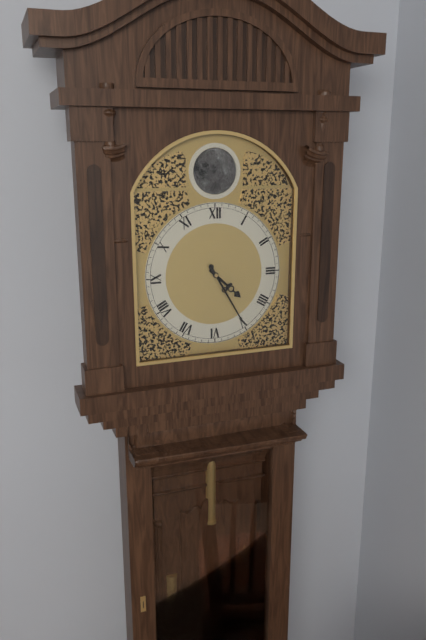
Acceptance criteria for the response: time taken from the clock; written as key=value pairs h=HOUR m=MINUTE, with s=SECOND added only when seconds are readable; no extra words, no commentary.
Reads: h=4 m=25
